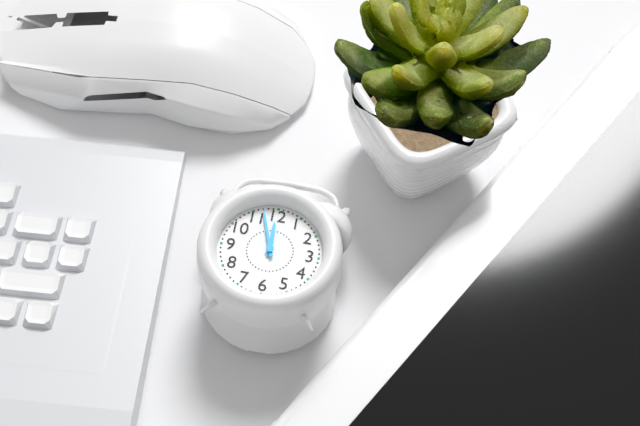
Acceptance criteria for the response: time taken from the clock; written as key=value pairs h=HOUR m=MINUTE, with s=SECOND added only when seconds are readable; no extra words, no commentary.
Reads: h=11 m=57
